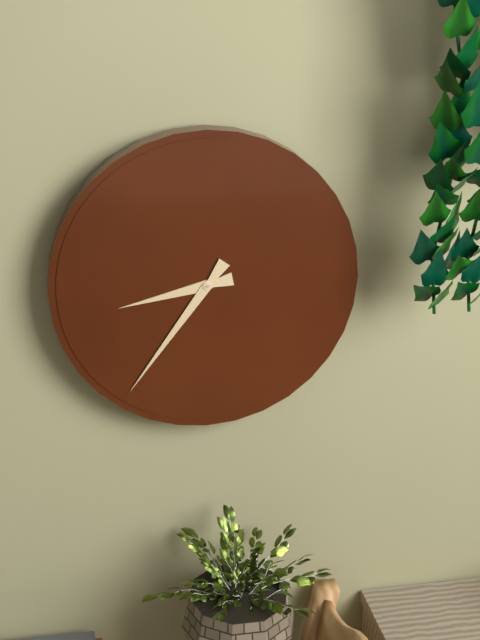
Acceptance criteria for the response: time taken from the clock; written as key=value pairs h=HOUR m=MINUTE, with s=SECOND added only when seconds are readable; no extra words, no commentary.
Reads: h=8 m=36
